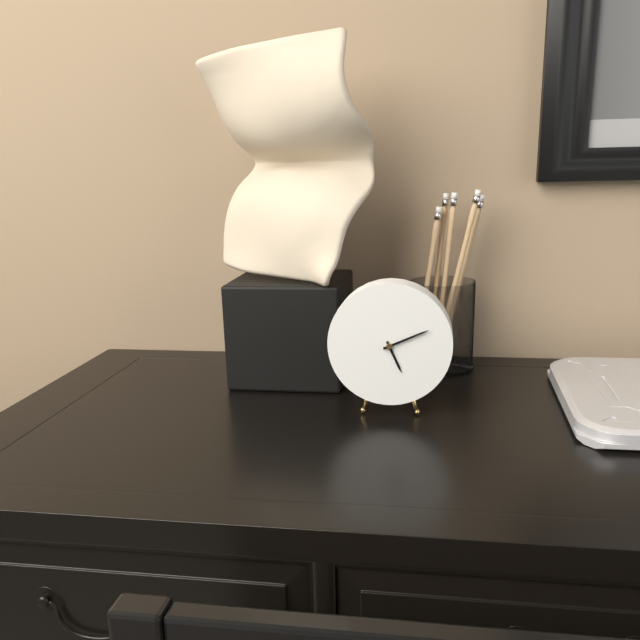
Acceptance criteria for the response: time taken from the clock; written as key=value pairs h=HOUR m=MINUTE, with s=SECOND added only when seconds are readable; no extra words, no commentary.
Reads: h=5 m=11
